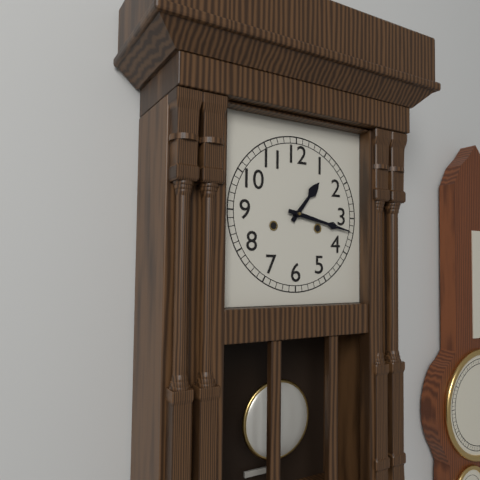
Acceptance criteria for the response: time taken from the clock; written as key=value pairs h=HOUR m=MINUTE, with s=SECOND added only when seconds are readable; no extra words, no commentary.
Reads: h=1 m=17
